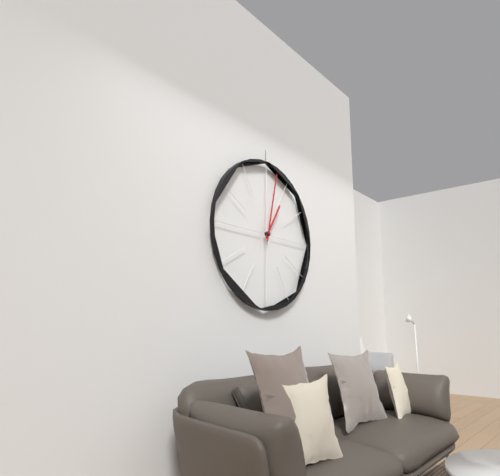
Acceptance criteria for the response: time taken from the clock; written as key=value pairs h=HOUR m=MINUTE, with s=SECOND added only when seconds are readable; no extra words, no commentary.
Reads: h=1 m=2
